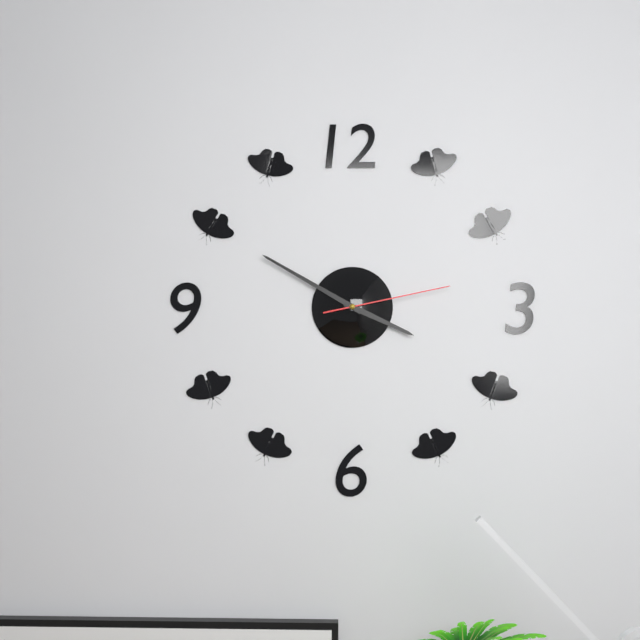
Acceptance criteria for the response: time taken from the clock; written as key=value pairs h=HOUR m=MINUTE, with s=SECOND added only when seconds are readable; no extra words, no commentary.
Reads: h=3 m=50 s=13
